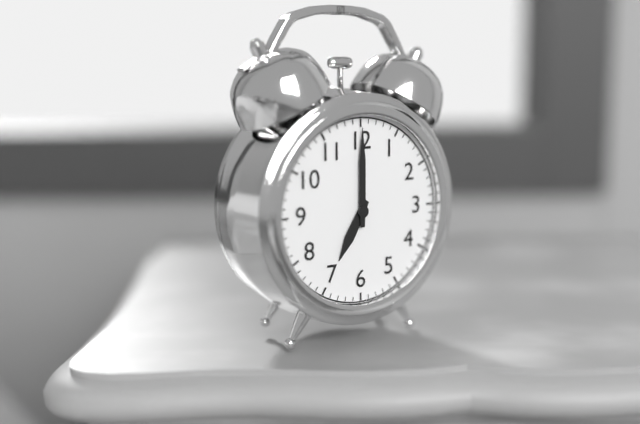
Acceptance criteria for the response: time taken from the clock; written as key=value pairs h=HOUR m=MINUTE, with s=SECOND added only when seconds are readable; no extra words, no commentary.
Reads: h=7 m=0
